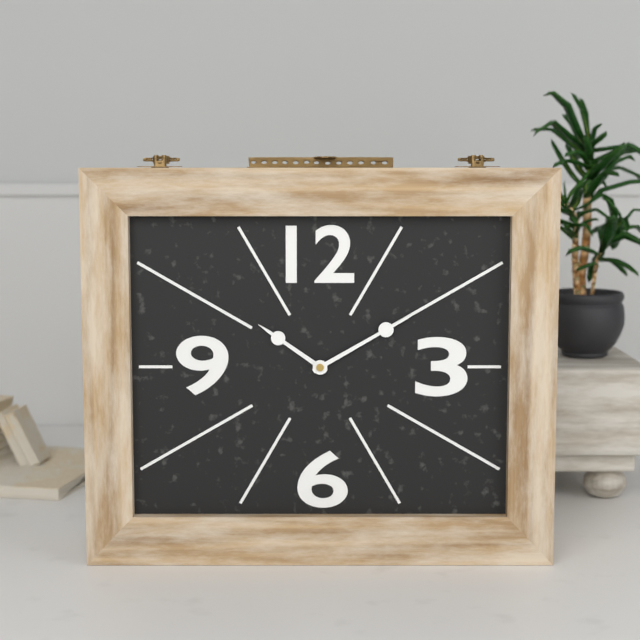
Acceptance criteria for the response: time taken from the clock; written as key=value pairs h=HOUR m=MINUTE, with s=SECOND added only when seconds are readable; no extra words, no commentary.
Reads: h=10 m=10
